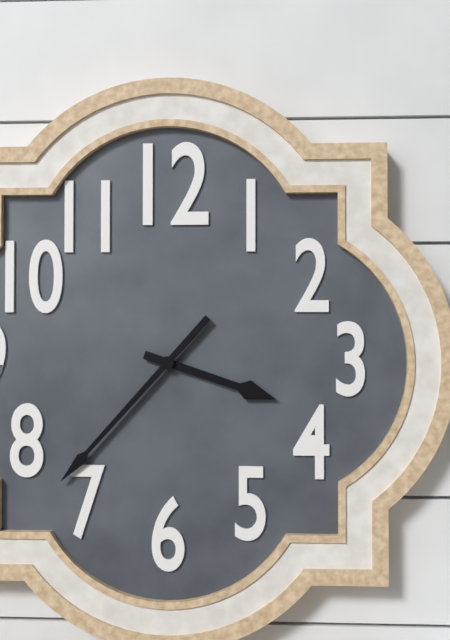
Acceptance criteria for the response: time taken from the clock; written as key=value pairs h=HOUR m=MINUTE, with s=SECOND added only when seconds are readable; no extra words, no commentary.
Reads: h=3 m=37
